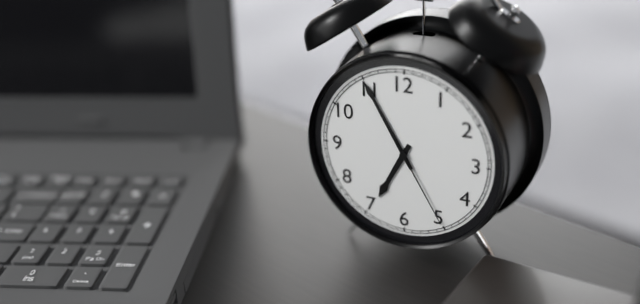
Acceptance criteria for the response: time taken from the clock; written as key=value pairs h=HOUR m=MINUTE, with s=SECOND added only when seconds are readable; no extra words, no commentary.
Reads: h=6 m=55 s=25
